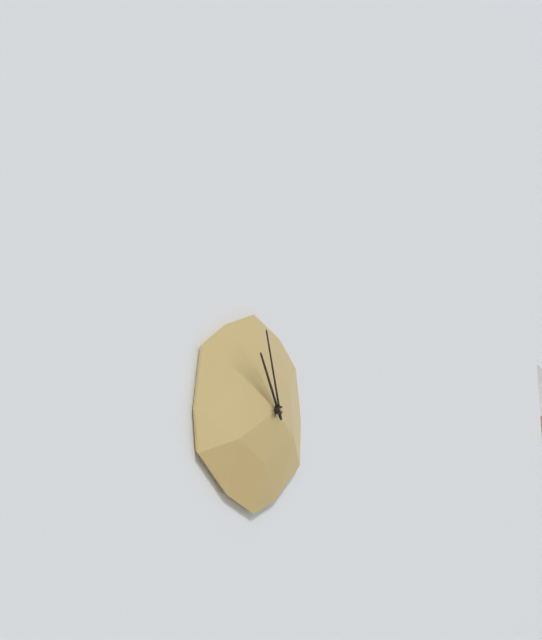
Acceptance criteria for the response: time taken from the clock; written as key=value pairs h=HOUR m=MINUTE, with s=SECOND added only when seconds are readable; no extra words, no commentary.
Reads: h=10 m=57
